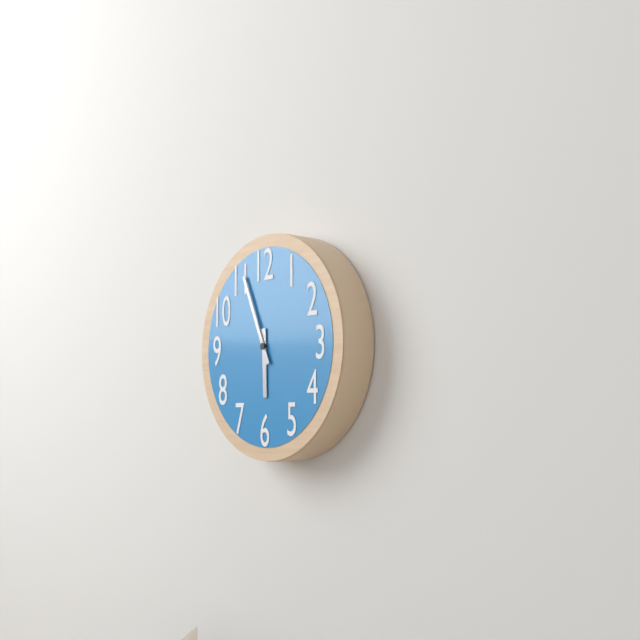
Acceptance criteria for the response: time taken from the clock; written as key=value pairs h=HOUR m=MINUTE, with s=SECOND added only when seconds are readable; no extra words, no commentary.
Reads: h=5 m=56
